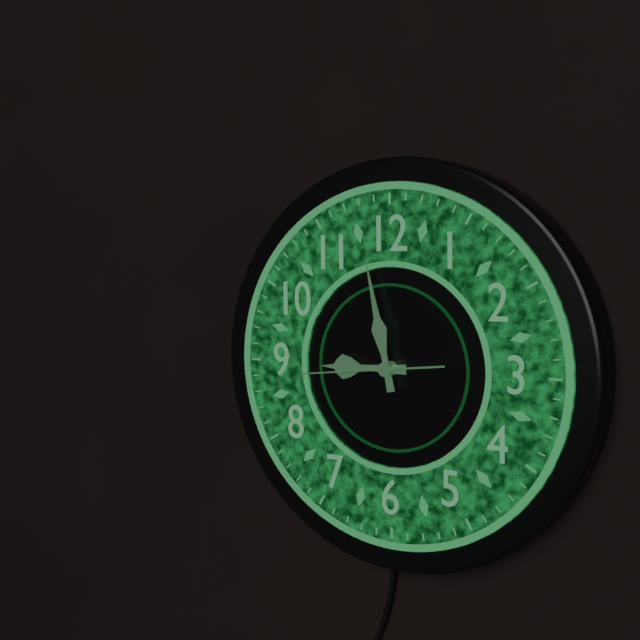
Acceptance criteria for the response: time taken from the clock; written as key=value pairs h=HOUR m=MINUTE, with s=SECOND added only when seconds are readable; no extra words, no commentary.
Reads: h=8 m=58 s=44
